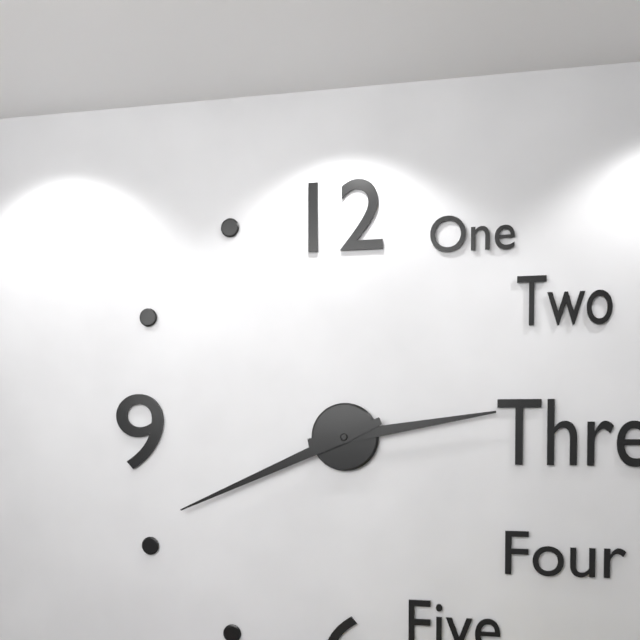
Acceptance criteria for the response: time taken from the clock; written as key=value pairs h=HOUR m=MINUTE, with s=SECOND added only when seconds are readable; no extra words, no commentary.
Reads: h=2 m=41
